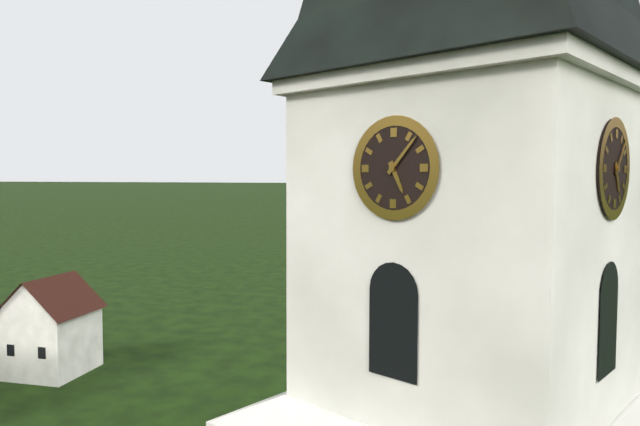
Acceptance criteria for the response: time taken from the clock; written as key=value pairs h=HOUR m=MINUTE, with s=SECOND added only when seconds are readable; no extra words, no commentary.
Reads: h=5 m=7
